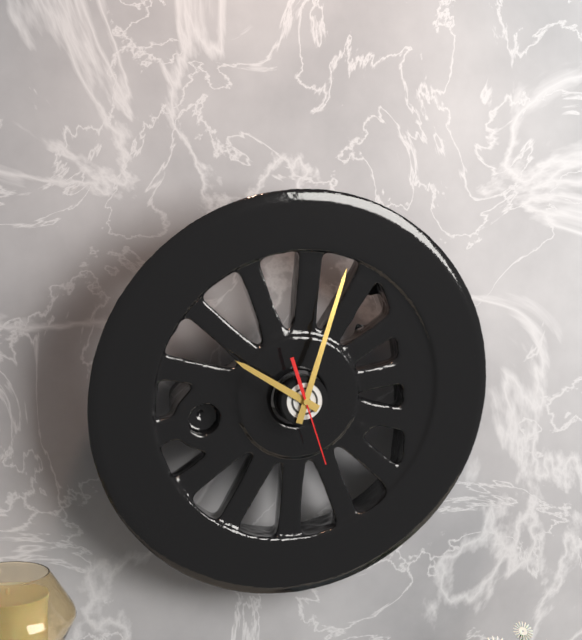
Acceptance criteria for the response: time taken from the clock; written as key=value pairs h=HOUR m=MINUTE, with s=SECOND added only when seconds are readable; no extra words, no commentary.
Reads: h=10 m=3 s=27
